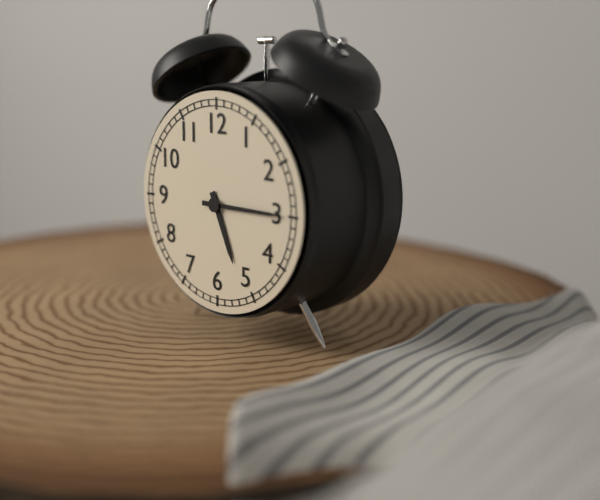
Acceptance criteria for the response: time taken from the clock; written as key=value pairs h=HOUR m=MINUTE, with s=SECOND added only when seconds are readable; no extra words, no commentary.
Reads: h=5 m=15
